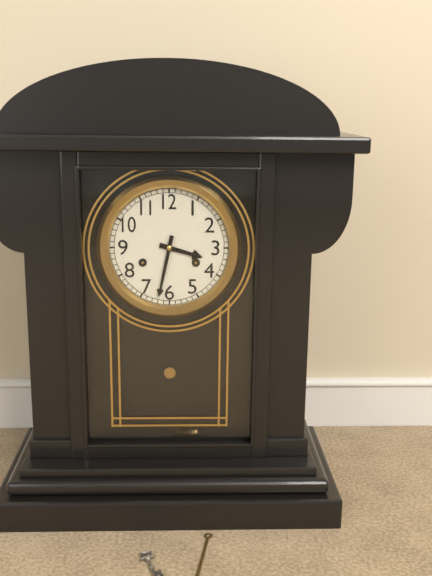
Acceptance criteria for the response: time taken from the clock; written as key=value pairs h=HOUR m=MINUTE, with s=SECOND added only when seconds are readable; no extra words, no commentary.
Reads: h=3 m=32
